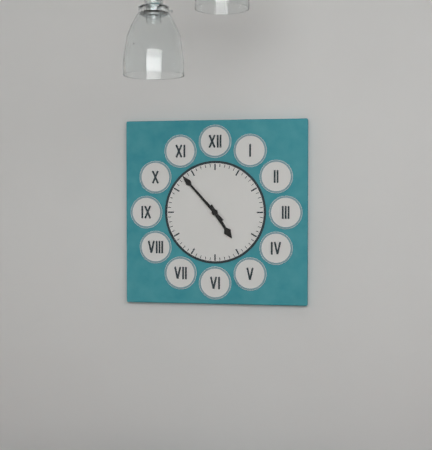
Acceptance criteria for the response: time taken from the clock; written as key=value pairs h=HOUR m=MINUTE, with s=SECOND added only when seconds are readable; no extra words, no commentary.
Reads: h=4 m=53
